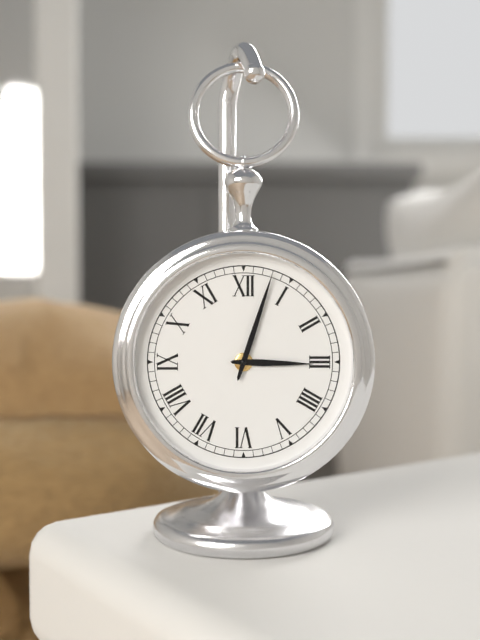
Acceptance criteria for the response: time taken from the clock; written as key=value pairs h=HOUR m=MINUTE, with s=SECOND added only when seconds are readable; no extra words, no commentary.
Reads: h=3 m=3
